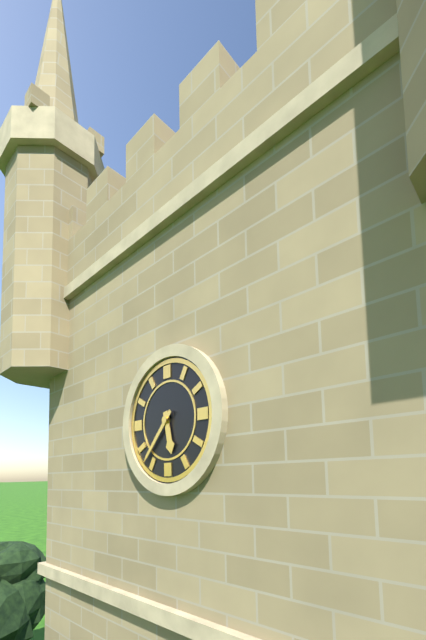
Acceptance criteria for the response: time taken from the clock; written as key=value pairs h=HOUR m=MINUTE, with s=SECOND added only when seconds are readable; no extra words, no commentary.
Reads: h=5 m=37
